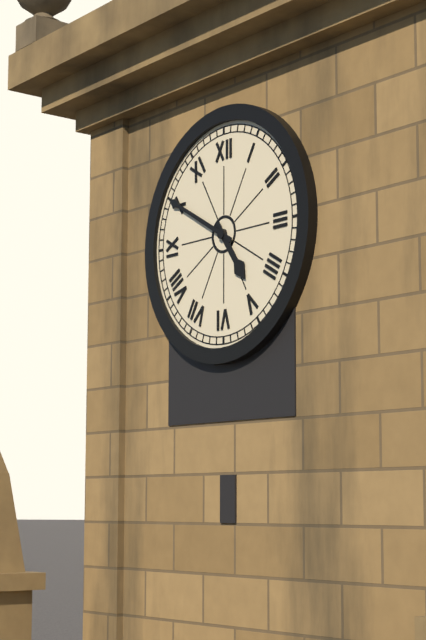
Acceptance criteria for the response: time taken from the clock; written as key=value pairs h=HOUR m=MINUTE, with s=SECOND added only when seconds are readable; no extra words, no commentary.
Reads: h=4 m=50
